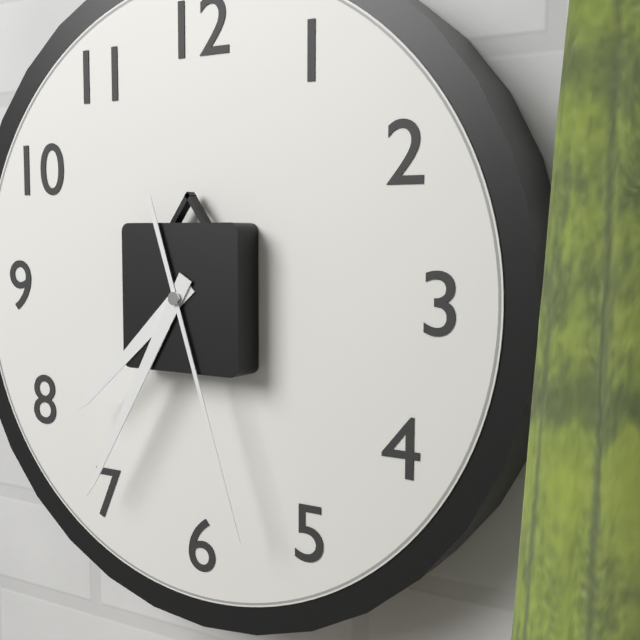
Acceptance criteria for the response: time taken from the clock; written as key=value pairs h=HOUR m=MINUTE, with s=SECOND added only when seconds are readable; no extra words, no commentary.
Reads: h=7 m=35 s=27
